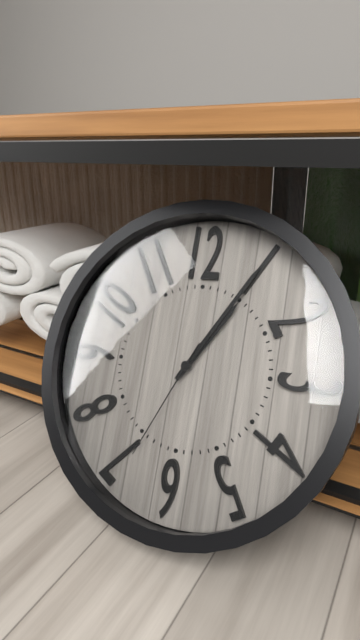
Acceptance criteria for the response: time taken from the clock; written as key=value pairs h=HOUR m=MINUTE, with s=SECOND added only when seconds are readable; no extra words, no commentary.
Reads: h=1 m=5 s=34
